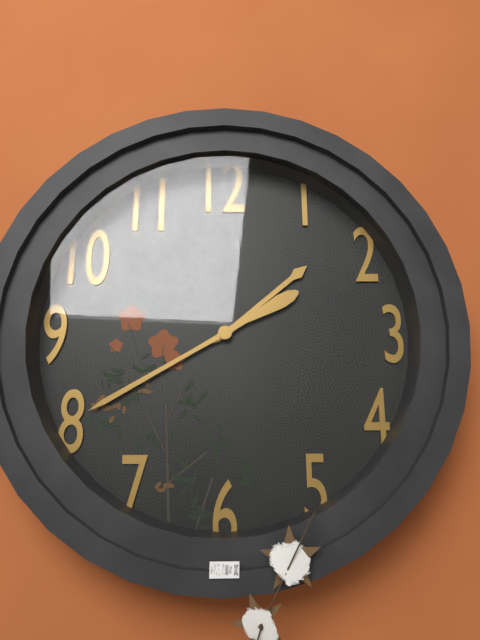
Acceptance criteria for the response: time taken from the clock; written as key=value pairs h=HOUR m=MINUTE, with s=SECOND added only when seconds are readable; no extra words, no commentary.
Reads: h=1 m=40
